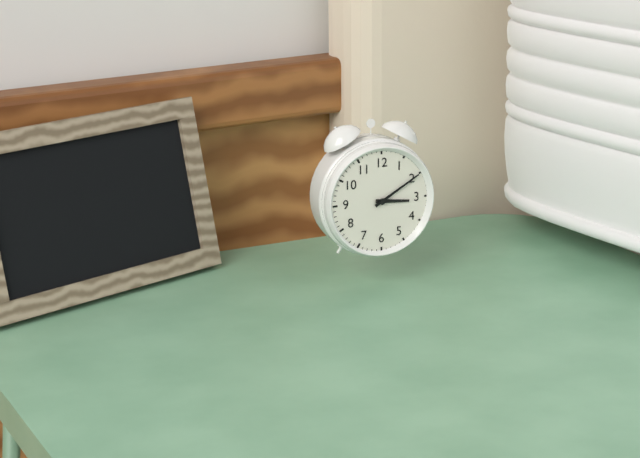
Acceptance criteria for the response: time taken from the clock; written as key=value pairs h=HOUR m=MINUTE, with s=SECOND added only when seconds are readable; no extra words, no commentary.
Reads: h=3 m=10
